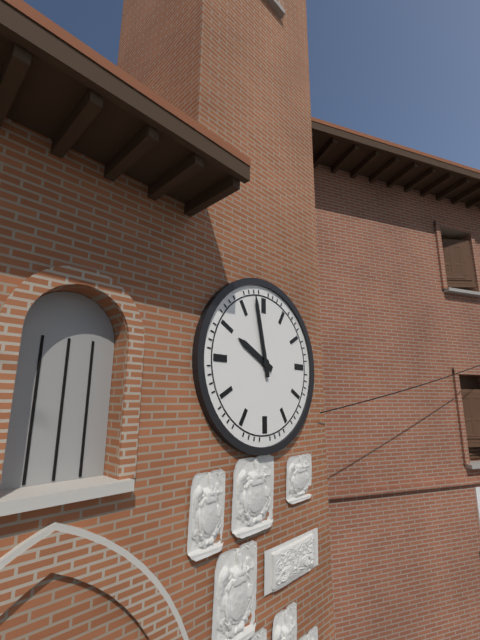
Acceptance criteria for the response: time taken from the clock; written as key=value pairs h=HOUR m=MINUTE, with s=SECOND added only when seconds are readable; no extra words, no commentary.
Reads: h=9 m=58
